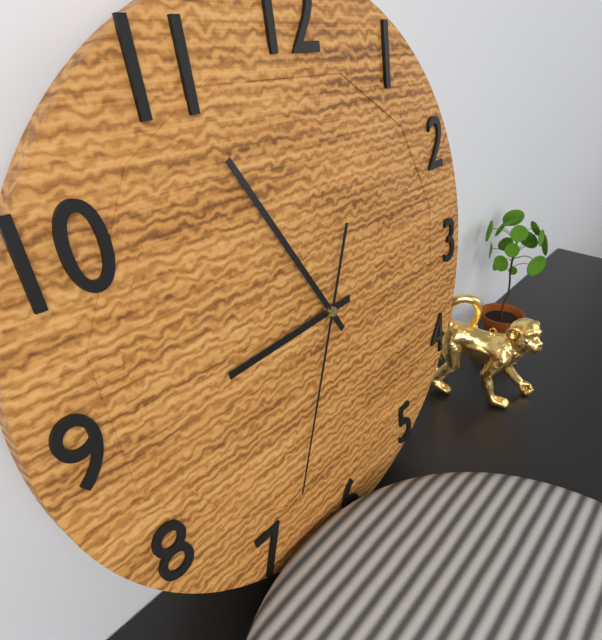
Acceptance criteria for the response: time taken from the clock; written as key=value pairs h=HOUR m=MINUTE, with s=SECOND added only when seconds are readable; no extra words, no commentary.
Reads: h=8 m=55 s=34
